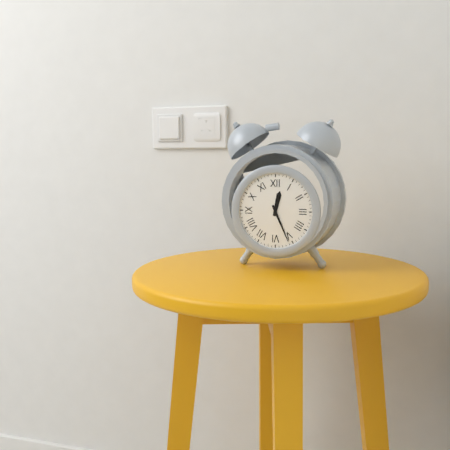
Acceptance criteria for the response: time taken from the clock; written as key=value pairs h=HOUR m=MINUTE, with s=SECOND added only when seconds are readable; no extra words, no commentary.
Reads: h=12 m=26
